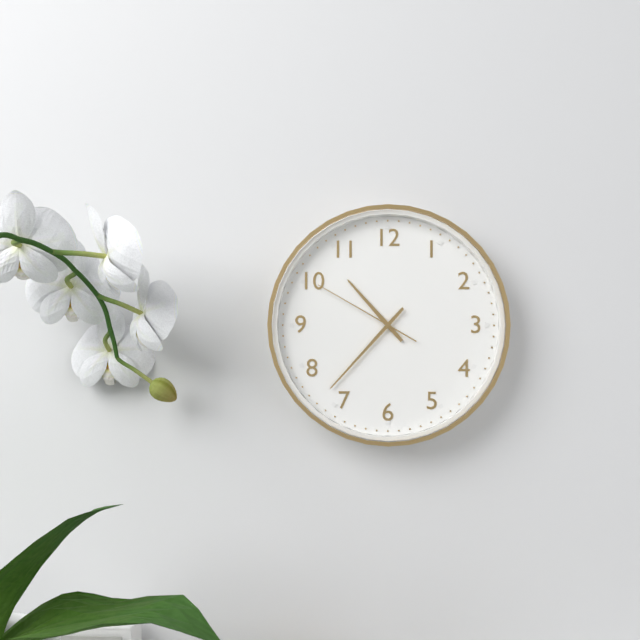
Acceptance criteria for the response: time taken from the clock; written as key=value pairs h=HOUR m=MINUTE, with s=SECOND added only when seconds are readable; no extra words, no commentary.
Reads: h=10 m=37 s=50
